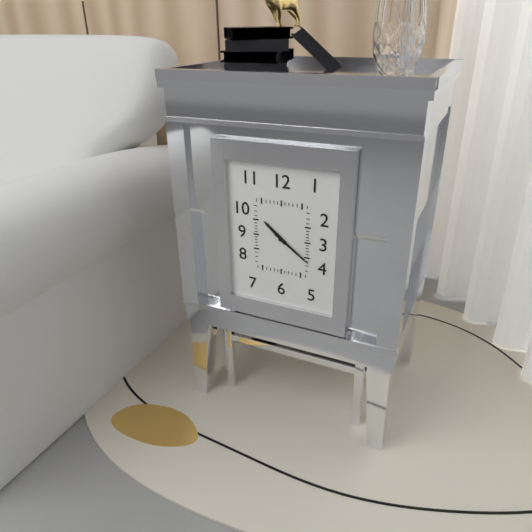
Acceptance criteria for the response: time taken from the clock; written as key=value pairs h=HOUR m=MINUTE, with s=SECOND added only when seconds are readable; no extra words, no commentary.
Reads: h=10 m=21
